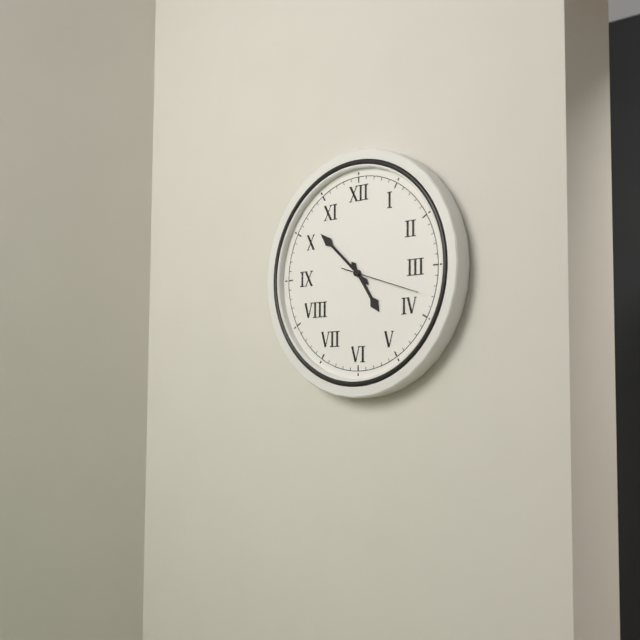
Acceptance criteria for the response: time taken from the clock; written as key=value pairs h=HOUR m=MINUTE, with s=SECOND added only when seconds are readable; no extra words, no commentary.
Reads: h=4 m=52 s=18
